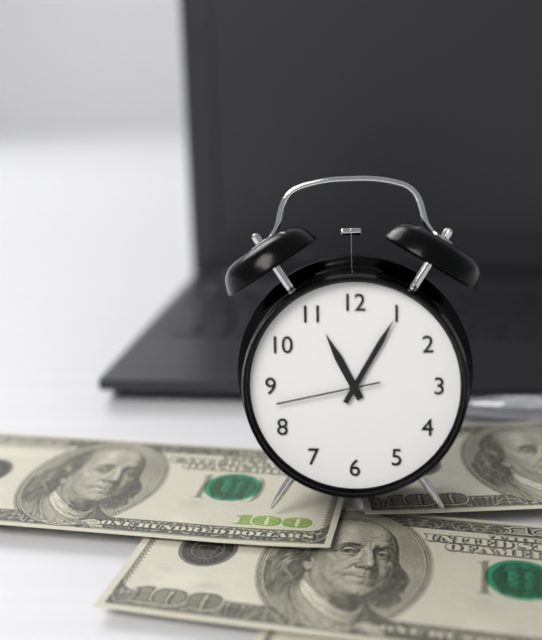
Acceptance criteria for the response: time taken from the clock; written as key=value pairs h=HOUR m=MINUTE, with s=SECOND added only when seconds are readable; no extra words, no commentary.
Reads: h=11 m=5 s=43
